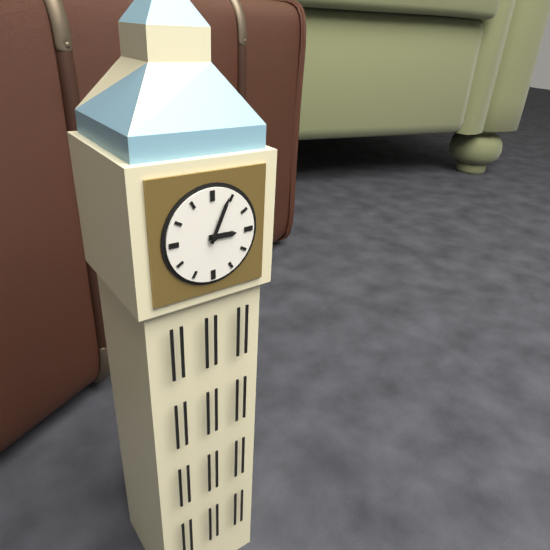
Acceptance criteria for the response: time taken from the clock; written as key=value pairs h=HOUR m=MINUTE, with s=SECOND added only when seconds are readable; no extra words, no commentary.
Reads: h=3 m=4
